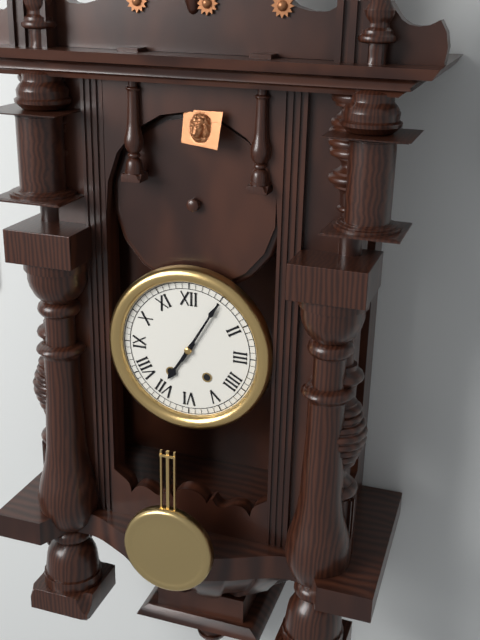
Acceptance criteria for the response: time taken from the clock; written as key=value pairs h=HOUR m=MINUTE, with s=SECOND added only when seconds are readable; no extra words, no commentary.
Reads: h=7 m=5
